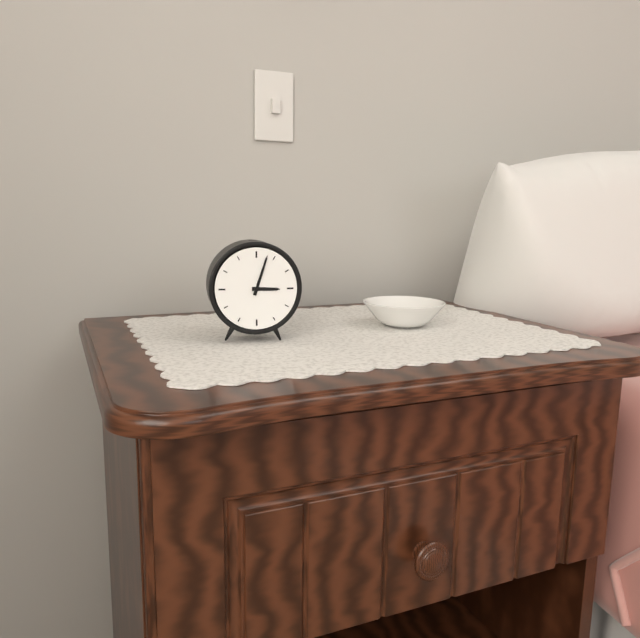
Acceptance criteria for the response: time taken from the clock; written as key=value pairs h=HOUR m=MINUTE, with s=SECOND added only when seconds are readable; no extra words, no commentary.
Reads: h=3 m=3
